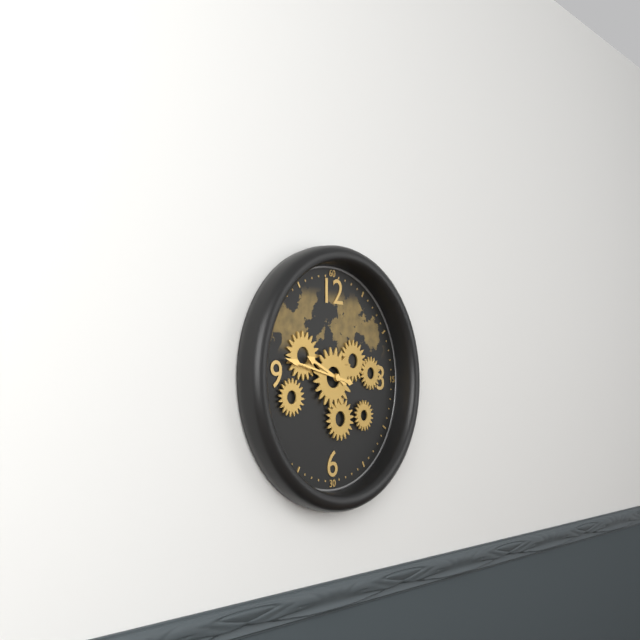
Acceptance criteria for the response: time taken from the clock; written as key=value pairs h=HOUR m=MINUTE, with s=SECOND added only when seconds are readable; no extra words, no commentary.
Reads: h=9 m=47
